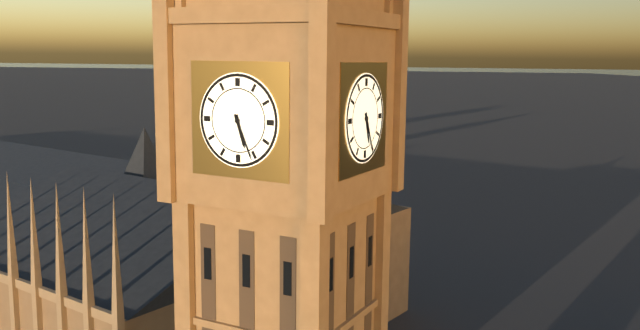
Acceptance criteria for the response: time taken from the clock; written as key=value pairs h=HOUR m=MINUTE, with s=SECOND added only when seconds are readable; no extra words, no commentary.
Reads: h=5 m=26
